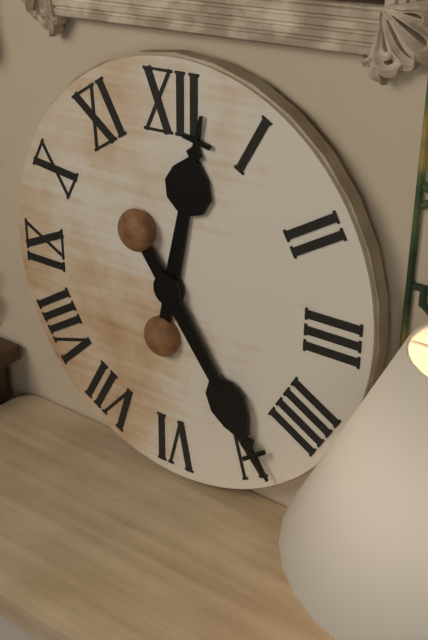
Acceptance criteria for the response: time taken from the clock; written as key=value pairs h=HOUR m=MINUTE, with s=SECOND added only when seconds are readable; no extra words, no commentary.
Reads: h=12 m=24
